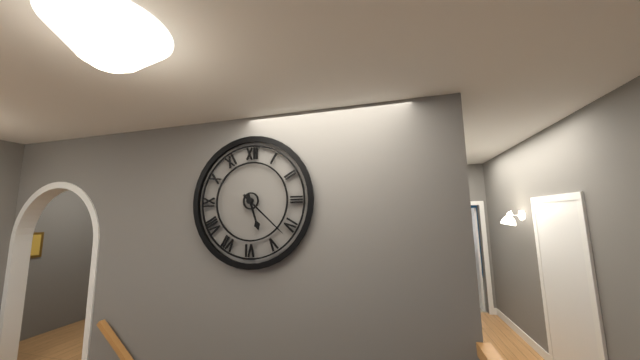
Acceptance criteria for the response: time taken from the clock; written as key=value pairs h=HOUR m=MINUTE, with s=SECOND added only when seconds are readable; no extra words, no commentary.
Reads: h=5 m=22
